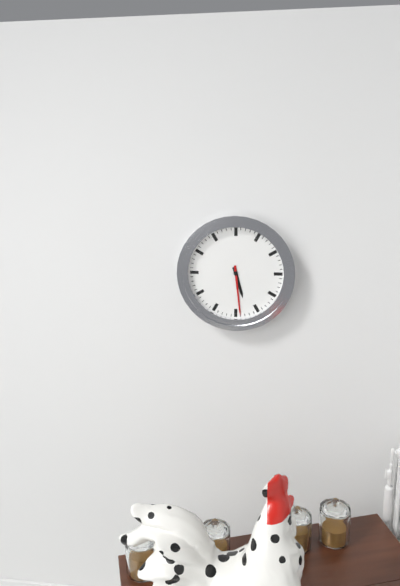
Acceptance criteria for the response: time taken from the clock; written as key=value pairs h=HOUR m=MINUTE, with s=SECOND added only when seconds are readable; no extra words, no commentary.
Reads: h=5 m=29
